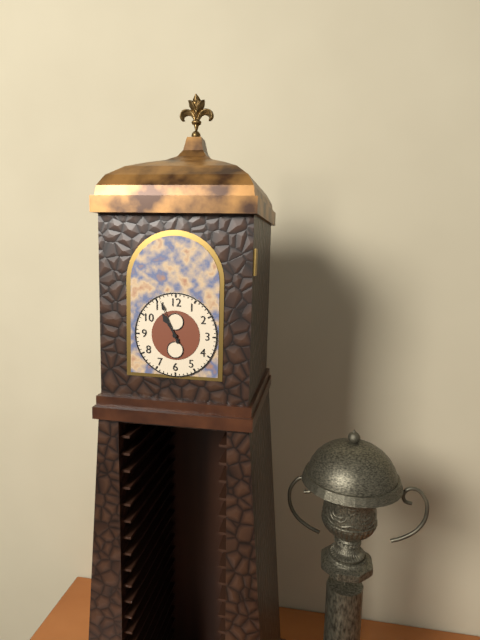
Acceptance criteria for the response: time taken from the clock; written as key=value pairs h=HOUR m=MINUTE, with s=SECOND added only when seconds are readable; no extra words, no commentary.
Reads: h=10 m=56
